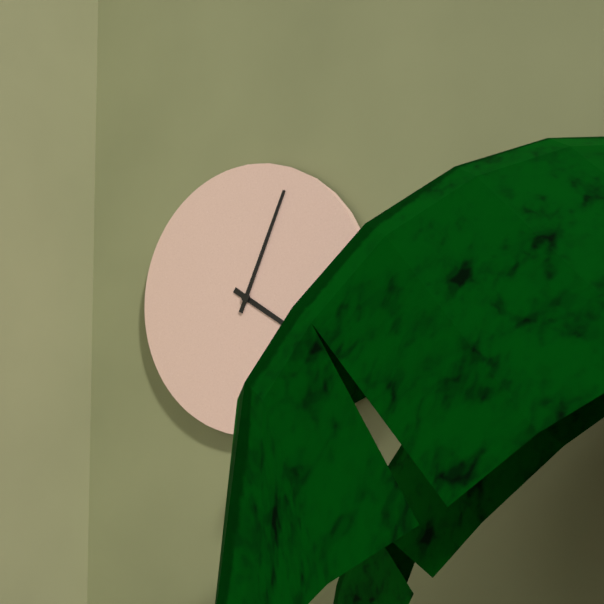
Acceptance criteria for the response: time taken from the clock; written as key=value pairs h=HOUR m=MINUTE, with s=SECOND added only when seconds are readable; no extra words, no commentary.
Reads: h=4 m=4
